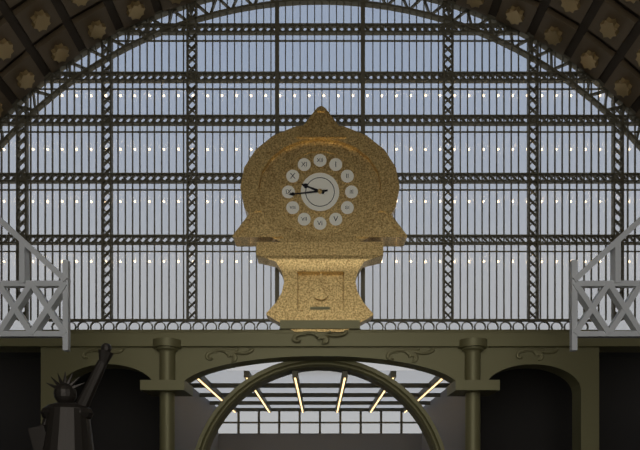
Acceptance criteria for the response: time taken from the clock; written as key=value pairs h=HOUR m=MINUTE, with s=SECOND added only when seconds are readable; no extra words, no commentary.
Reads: h=9 m=44
